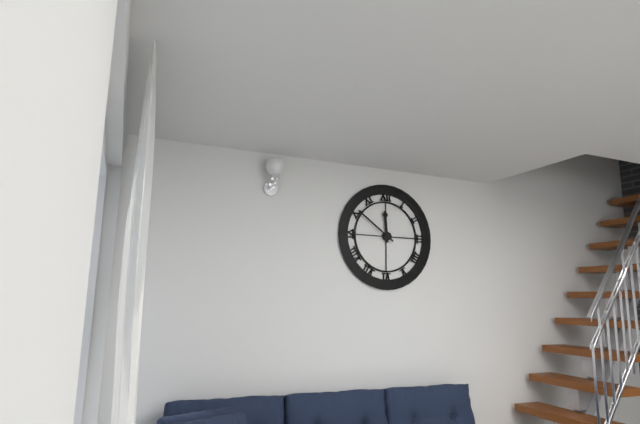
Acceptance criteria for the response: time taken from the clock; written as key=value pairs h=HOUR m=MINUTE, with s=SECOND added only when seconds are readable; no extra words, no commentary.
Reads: h=11 m=51
